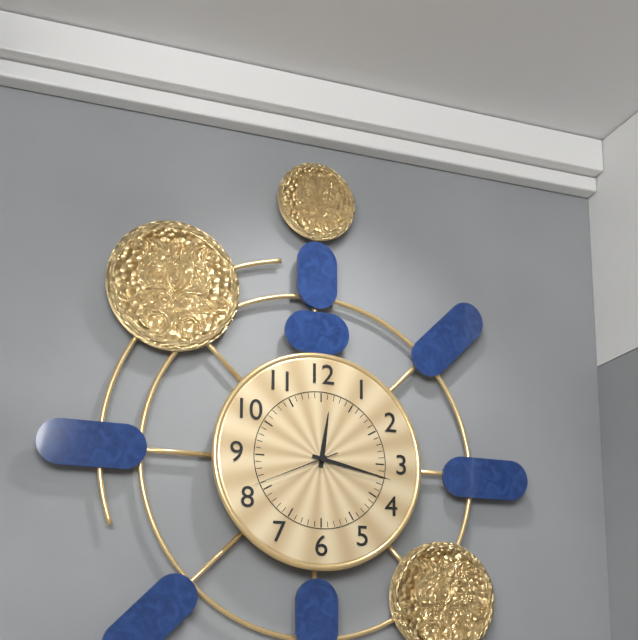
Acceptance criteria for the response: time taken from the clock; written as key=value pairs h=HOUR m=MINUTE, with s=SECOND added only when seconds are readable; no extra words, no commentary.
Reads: h=12 m=17 s=41
